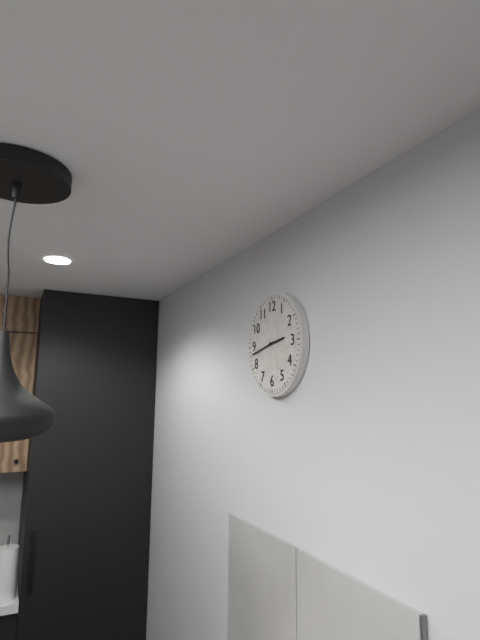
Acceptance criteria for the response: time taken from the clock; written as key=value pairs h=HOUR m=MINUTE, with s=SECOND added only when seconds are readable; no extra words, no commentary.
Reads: h=2 m=43
